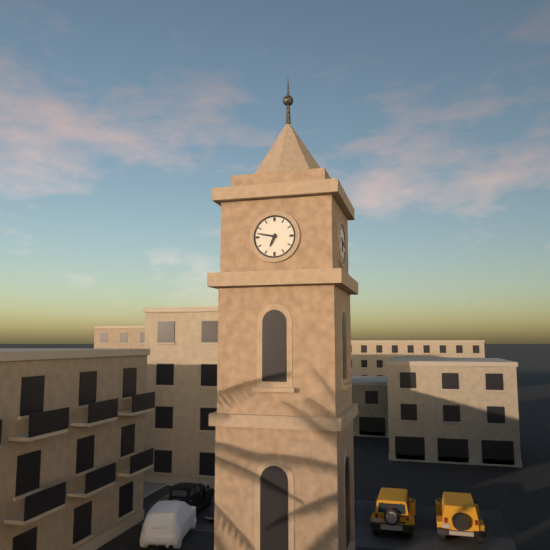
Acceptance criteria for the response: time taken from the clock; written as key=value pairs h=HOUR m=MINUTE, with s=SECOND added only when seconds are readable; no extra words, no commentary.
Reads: h=6 m=47
